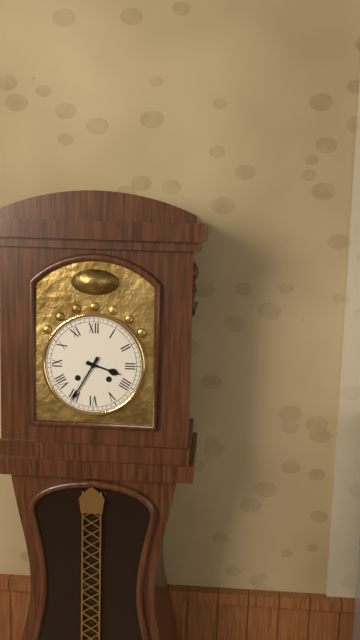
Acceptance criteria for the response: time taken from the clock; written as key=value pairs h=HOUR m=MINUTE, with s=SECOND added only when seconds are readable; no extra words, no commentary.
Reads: h=3 m=35
